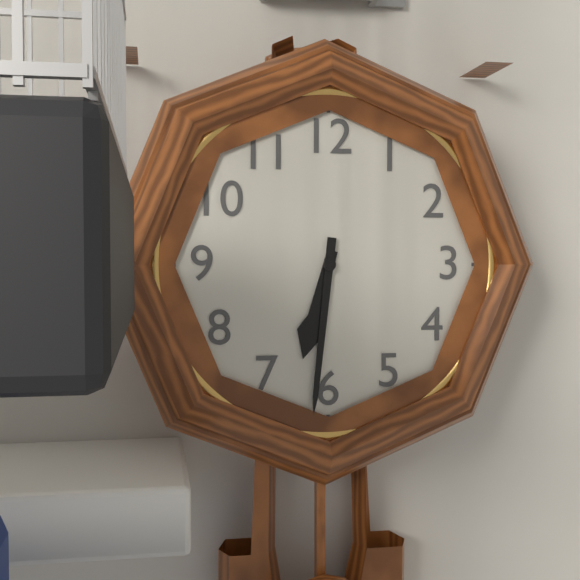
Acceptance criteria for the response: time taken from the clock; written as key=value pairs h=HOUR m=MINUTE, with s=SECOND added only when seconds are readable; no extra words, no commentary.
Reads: h=6 m=31
